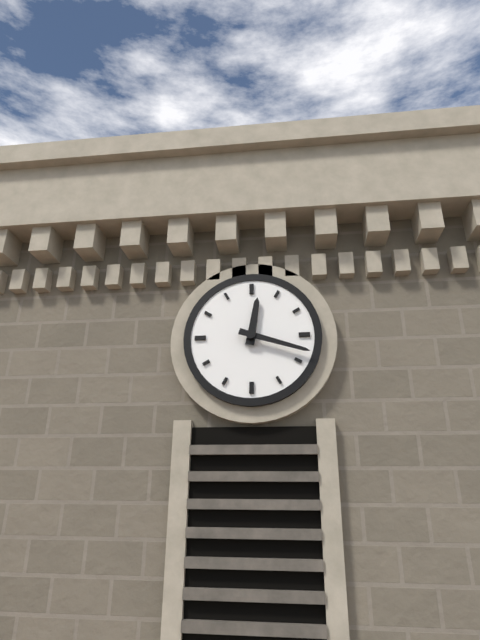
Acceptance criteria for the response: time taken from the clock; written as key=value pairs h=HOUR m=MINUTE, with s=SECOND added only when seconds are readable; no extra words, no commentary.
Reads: h=12 m=18
